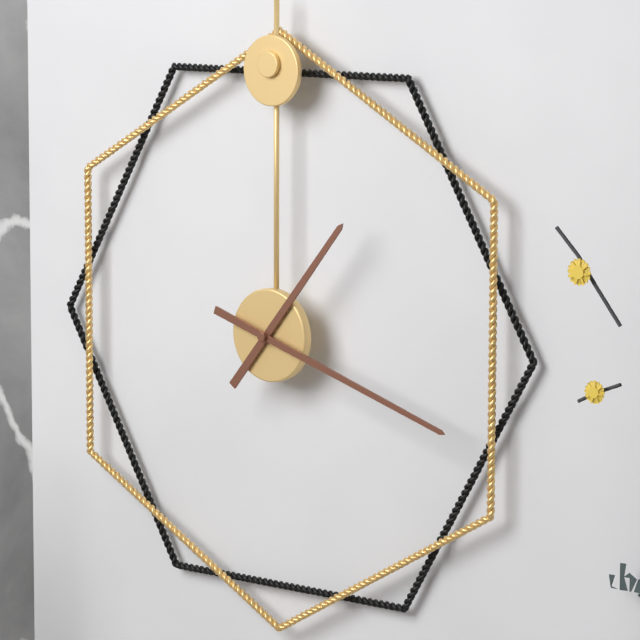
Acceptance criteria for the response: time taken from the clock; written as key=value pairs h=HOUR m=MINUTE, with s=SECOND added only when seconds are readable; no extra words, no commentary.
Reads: h=1 m=18
